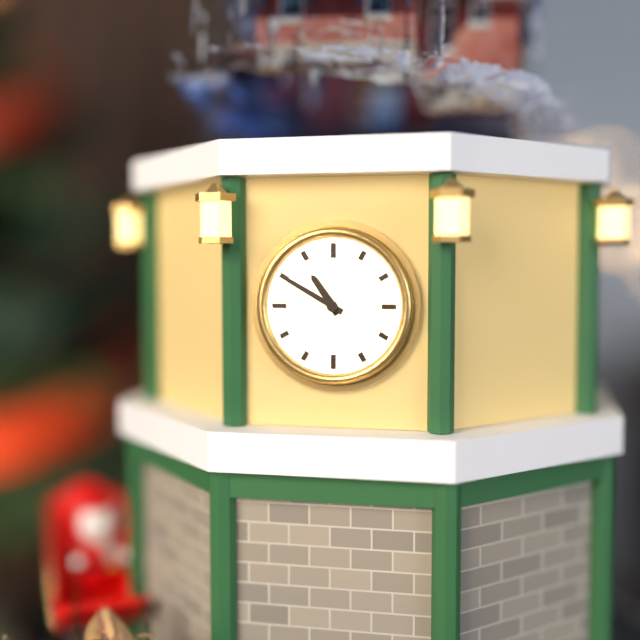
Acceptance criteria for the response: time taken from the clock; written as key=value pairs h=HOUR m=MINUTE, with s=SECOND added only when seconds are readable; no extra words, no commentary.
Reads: h=10 m=50
